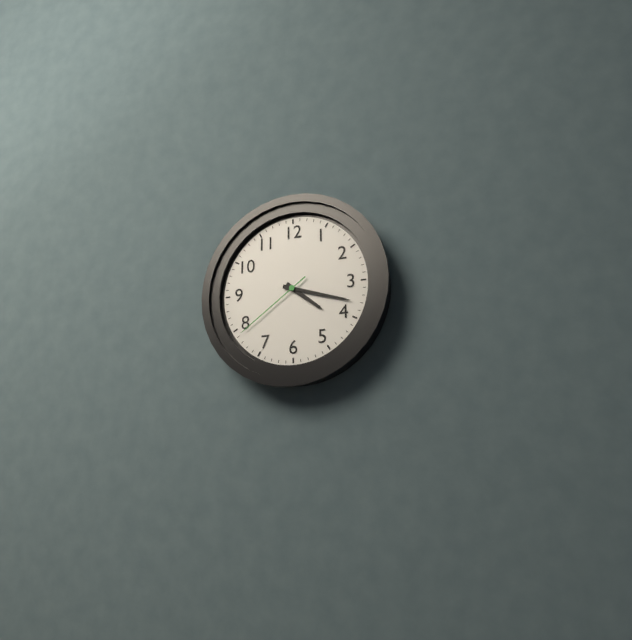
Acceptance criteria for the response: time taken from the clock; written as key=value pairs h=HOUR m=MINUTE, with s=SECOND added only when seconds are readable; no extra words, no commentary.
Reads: h=4 m=18 s=39
